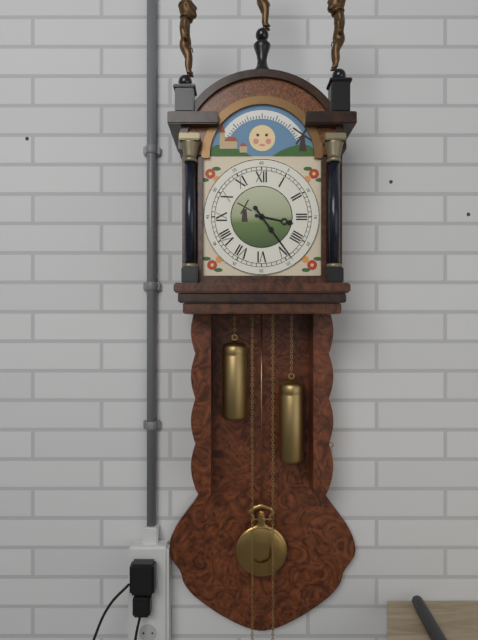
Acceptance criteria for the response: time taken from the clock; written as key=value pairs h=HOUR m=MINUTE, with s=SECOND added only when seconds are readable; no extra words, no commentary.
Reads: h=3 m=24
